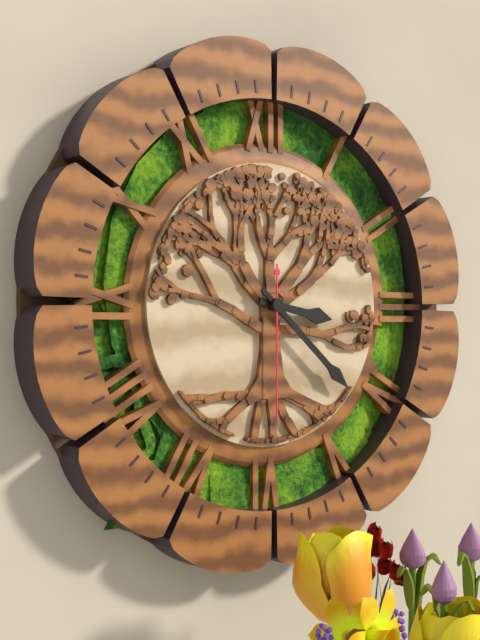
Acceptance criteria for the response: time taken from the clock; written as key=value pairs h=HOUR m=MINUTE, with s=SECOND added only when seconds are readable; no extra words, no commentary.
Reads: h=3 m=22 s=30
